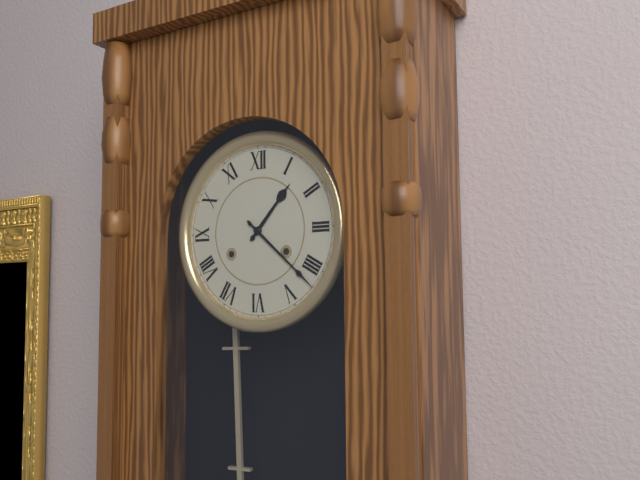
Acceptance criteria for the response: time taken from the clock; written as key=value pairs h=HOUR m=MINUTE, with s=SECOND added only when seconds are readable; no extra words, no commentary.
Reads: h=1 m=22
